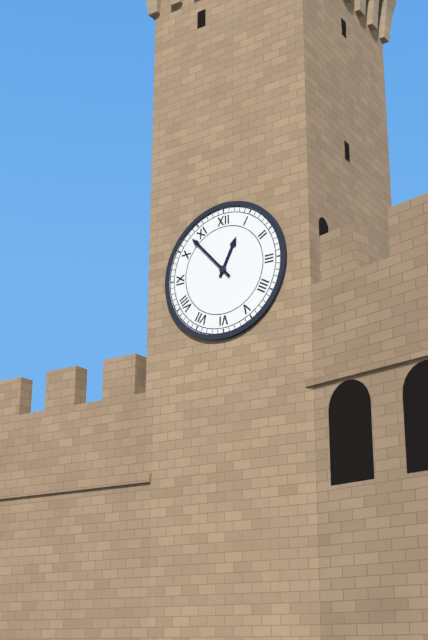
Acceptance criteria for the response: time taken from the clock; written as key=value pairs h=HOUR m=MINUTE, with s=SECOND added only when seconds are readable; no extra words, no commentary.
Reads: h=12 m=53
